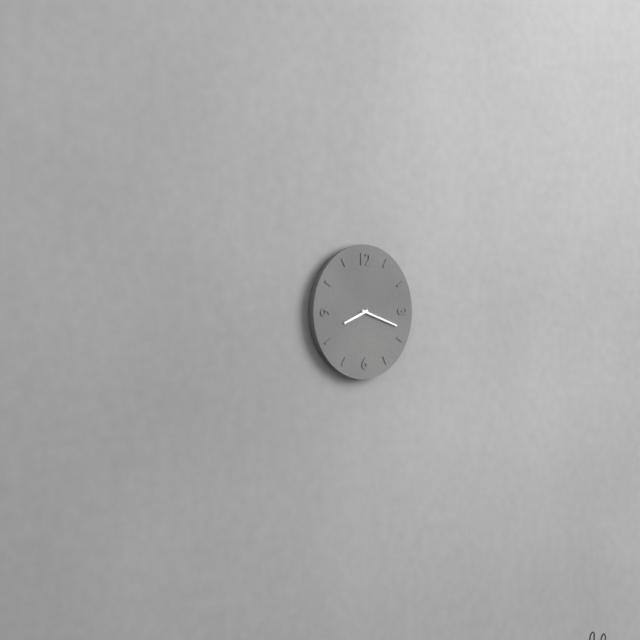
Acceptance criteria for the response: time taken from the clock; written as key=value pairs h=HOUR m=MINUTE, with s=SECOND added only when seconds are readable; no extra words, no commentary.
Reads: h=8 m=18
